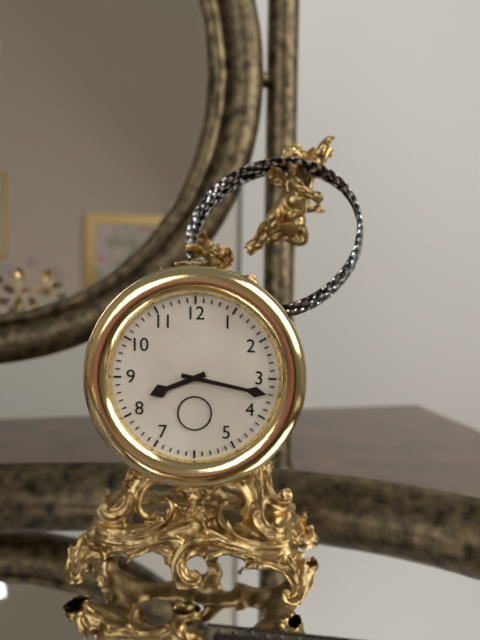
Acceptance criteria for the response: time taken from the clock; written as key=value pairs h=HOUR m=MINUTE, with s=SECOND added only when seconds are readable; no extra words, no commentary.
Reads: h=8 m=17
